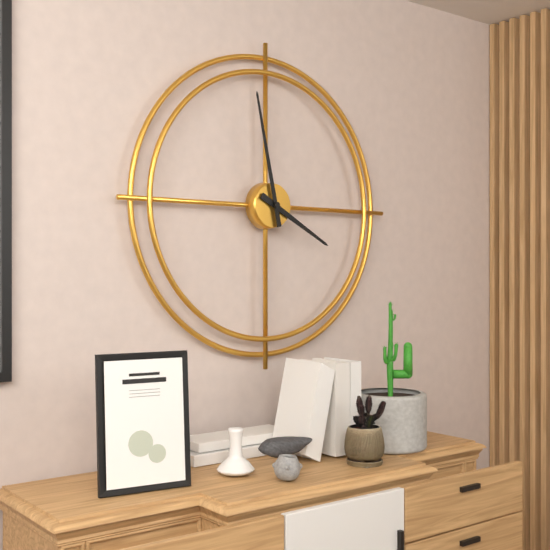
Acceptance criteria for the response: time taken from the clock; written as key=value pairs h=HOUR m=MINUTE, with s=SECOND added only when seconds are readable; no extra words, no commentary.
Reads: h=3 m=58
